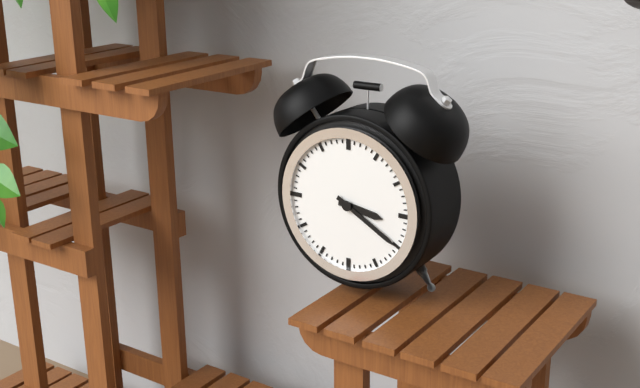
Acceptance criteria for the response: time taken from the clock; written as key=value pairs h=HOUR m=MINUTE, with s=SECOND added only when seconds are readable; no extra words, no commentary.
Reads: h=3 m=20
